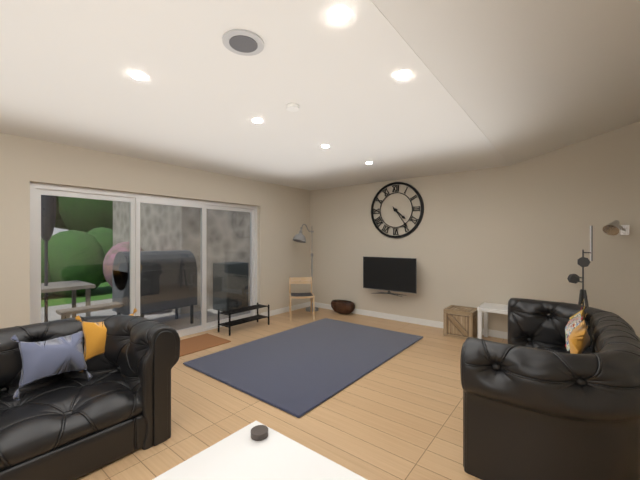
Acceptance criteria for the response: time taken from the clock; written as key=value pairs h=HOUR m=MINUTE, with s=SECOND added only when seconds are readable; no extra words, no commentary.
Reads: h=4 m=24
